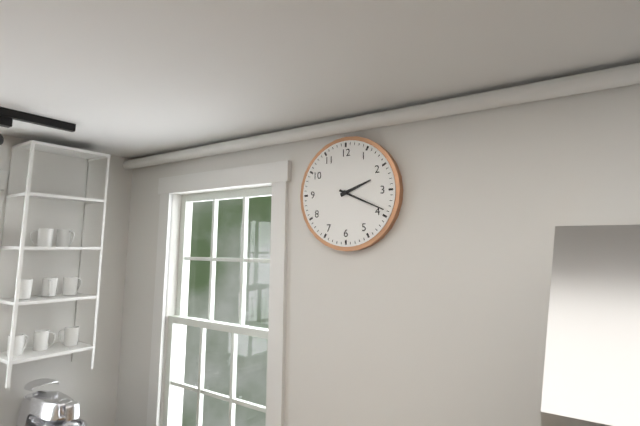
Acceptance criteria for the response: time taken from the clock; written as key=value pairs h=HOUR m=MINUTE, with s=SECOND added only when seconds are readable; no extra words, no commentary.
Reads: h=2 m=19
